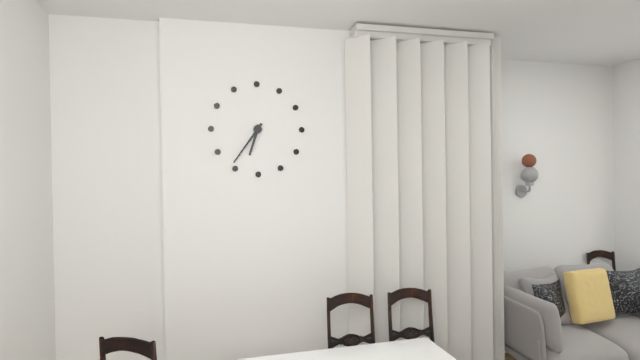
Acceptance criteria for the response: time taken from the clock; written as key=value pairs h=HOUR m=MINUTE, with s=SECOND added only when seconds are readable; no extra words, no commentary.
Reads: h=6 m=36
